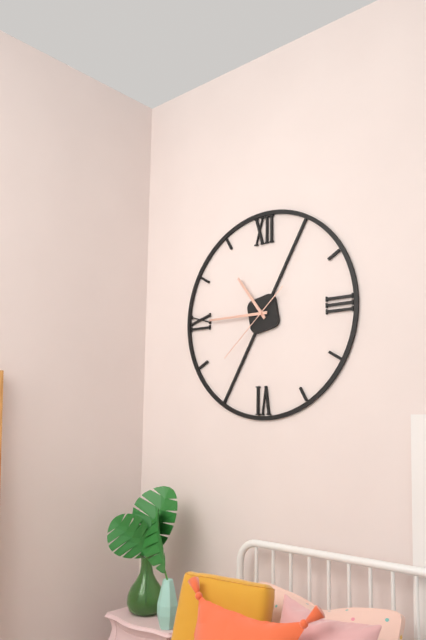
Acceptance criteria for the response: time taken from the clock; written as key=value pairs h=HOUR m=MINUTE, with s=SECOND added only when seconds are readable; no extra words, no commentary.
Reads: h=10 m=45 s=38
